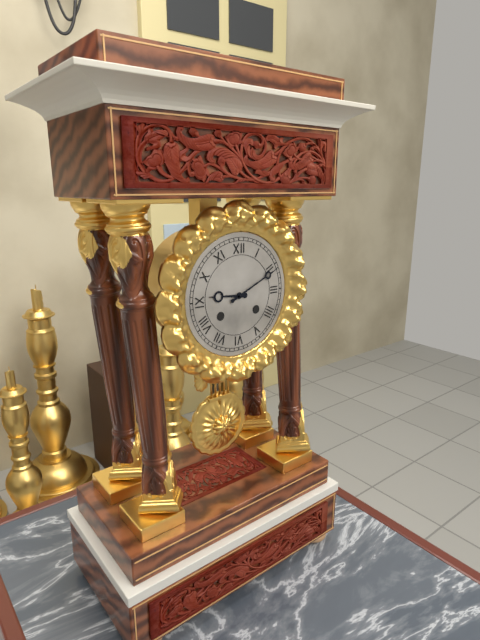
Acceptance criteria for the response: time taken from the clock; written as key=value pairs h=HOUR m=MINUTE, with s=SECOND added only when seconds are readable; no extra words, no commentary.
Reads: h=9 m=11
